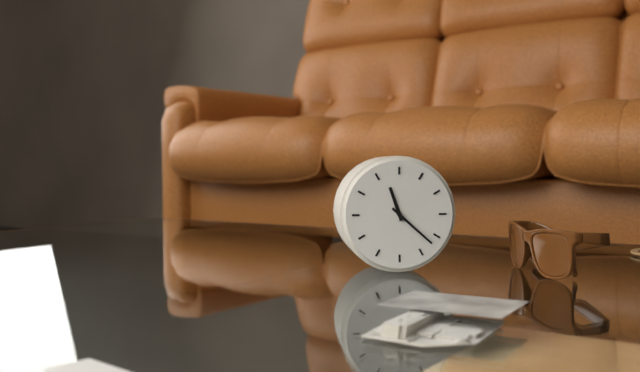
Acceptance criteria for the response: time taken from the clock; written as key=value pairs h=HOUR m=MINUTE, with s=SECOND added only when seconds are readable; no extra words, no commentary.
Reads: h=11 m=22
